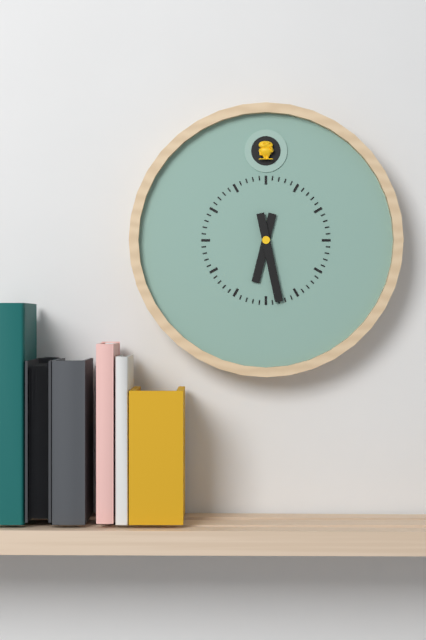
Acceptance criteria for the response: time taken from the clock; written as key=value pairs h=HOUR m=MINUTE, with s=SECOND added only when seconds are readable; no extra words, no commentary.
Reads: h=6 m=28
